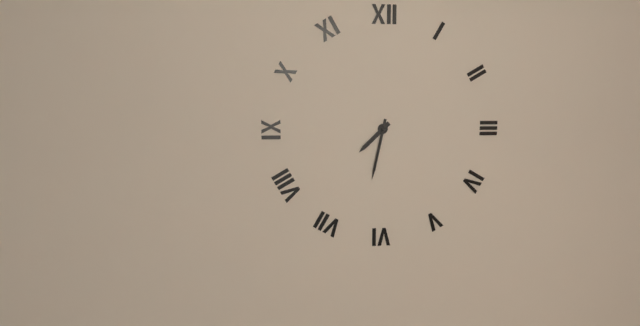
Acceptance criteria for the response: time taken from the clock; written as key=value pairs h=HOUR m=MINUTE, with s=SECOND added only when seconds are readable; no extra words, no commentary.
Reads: h=7 m=32
